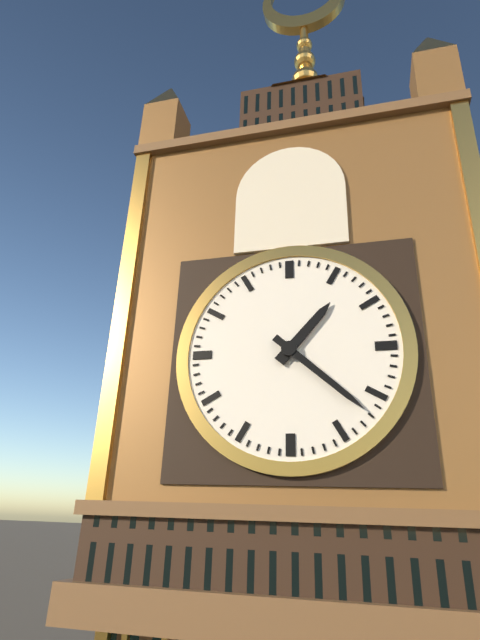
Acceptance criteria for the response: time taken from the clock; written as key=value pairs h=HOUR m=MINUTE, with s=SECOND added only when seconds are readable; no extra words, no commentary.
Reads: h=1 m=22
